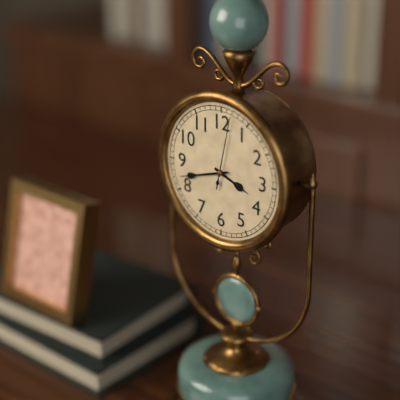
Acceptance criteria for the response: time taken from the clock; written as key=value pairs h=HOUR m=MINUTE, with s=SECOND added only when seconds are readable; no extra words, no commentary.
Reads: h=3 m=42 s=2
